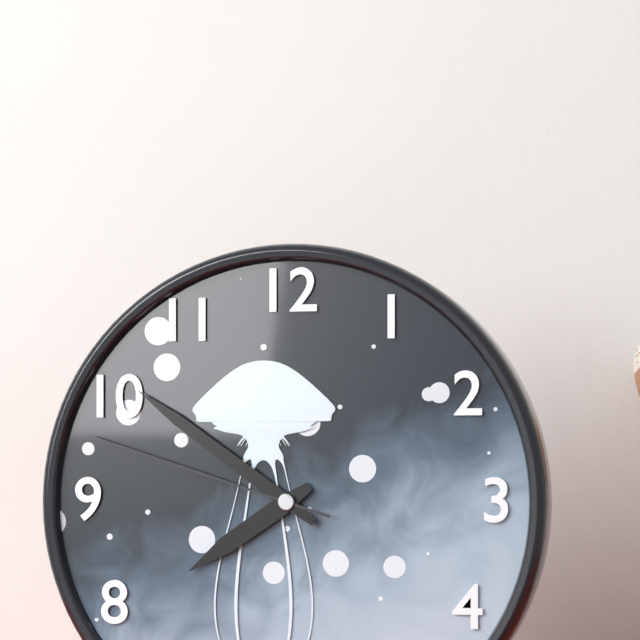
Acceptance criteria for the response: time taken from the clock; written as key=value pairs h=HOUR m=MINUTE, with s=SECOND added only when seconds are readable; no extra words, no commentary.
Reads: h=7 m=51 s=48
